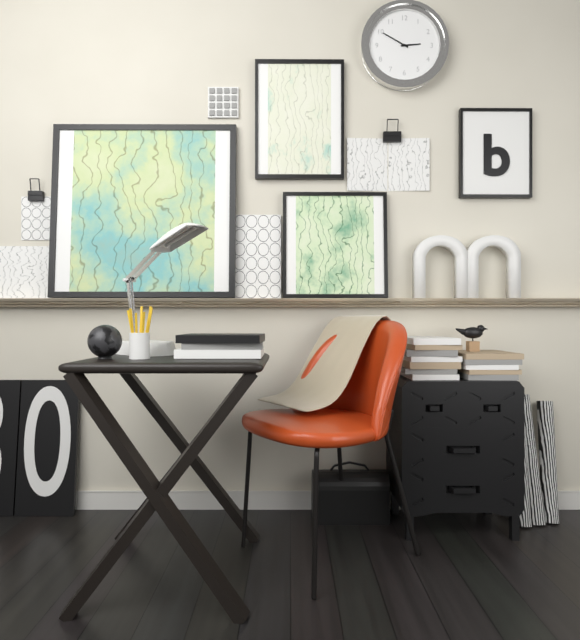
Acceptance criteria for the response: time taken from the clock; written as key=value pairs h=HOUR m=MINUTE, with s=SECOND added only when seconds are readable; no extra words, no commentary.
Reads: h=2 m=50
